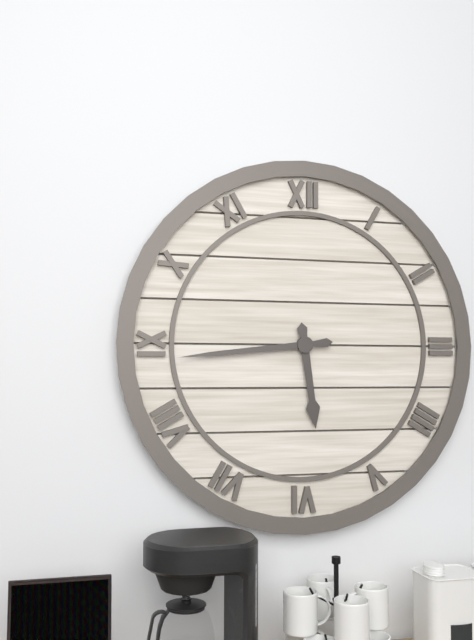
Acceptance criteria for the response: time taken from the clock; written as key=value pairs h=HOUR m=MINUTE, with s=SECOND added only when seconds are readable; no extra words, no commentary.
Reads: h=5 m=44
